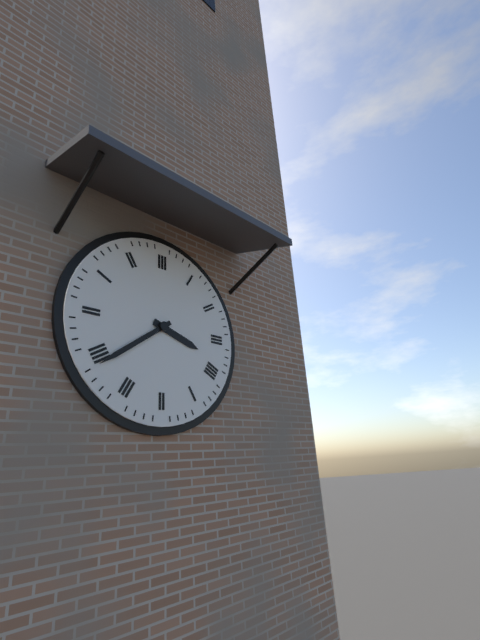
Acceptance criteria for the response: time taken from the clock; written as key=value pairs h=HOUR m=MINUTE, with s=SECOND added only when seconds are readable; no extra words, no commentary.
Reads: h=3 m=39
